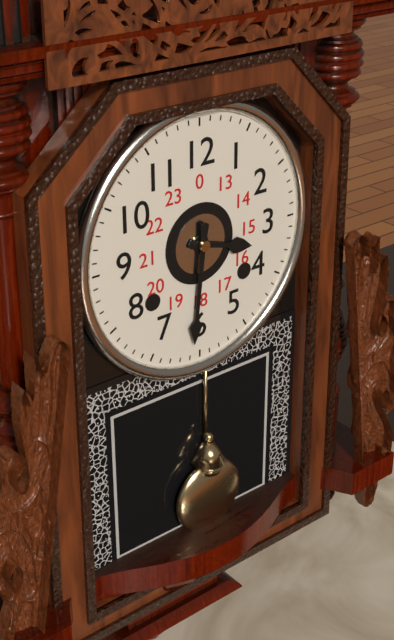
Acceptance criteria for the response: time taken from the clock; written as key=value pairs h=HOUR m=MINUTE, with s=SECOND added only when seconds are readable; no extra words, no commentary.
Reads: h=3 m=31
